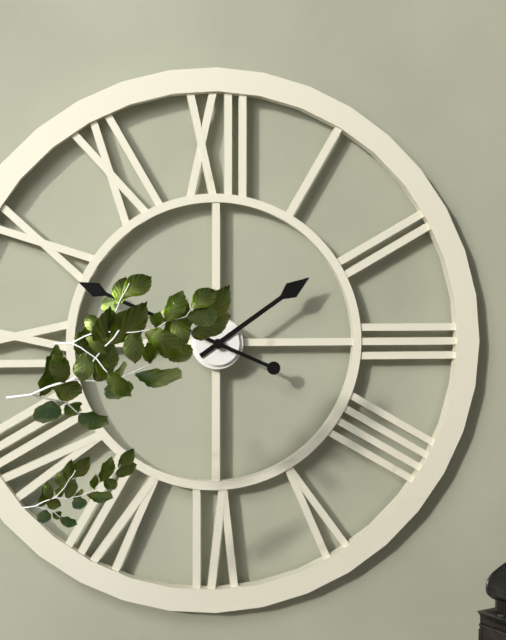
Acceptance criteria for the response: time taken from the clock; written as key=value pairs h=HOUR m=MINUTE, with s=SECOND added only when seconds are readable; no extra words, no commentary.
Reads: h=1 m=49
